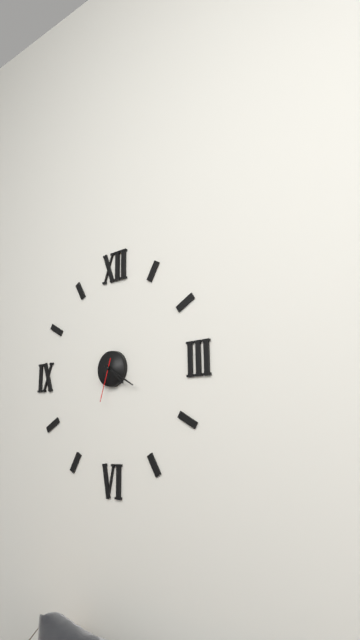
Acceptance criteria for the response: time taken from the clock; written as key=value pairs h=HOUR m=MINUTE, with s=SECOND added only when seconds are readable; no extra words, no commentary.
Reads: h=4 m=20
